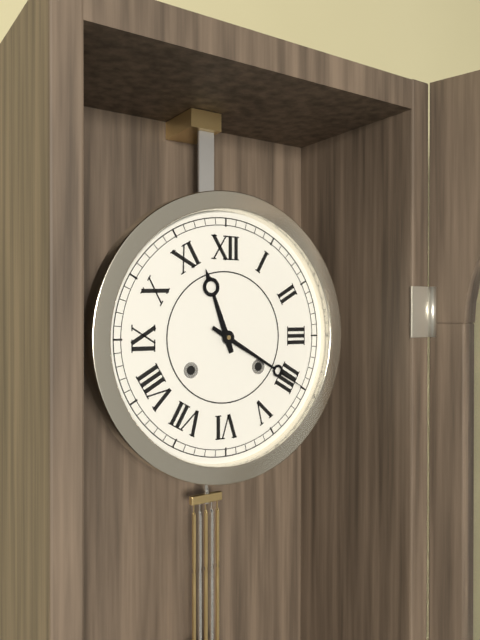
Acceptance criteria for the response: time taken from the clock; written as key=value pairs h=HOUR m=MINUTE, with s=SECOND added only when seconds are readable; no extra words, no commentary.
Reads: h=11 m=20
